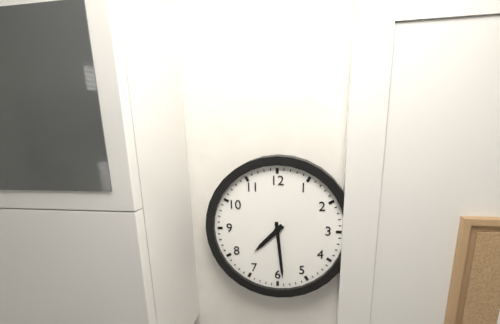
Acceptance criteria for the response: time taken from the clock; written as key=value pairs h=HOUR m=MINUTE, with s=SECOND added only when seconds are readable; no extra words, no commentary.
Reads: h=7 m=29
